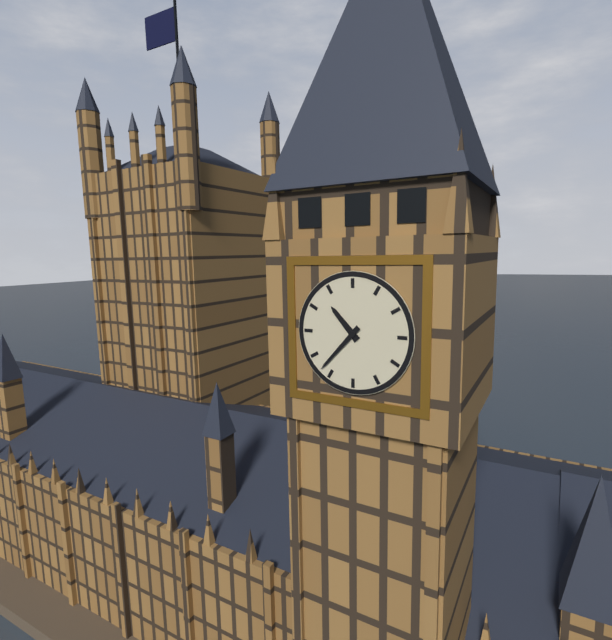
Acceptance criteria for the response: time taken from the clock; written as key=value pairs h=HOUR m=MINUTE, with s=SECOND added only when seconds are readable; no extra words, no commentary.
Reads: h=10 m=37
